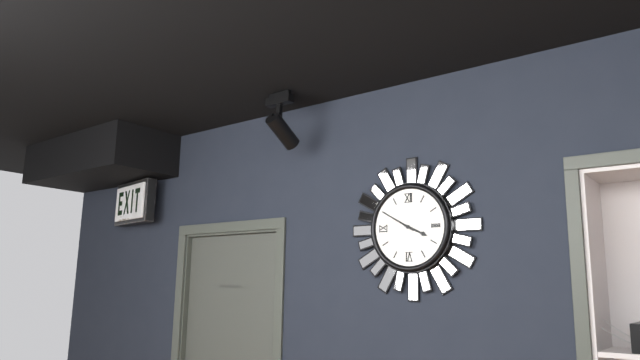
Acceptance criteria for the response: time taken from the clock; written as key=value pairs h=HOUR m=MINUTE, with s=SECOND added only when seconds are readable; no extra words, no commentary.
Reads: h=3 m=50
